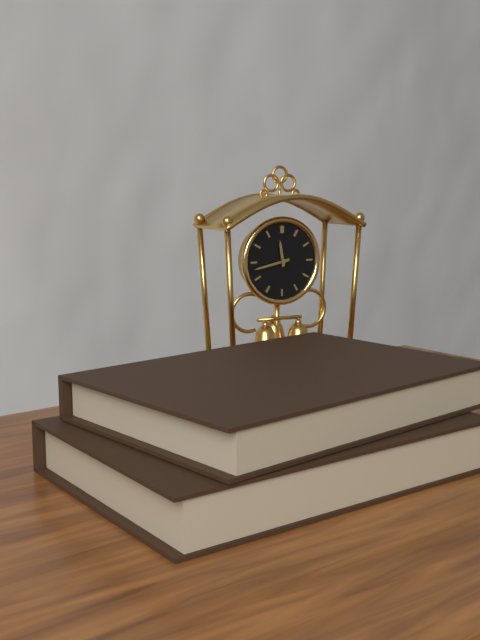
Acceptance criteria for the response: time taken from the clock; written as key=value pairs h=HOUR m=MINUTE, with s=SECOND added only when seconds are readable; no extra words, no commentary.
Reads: h=11 m=43
